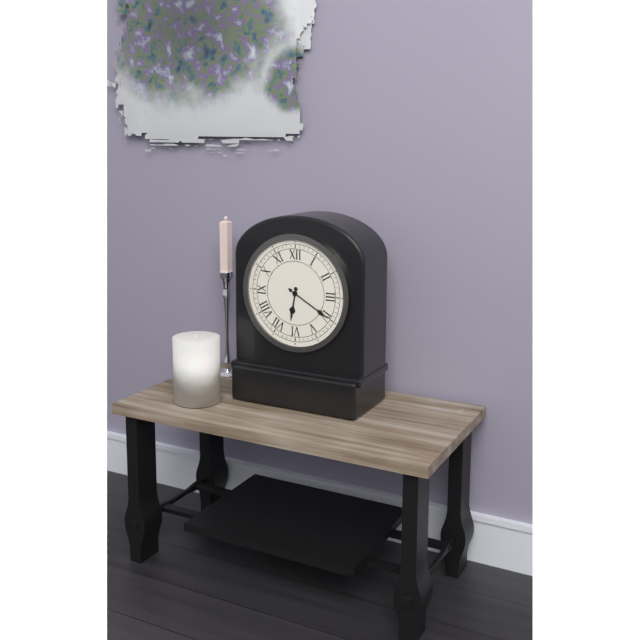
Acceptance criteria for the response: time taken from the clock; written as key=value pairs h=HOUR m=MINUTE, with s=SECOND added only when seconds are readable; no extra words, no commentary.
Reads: h=6 m=20
